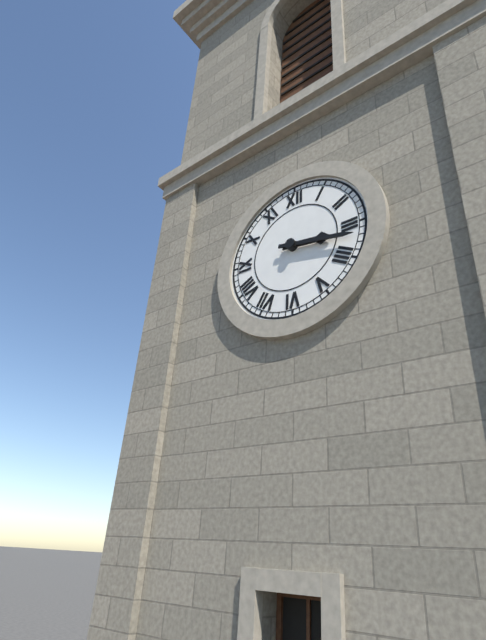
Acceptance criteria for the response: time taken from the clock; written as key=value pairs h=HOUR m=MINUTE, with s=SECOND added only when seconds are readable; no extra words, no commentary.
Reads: h=3 m=17
